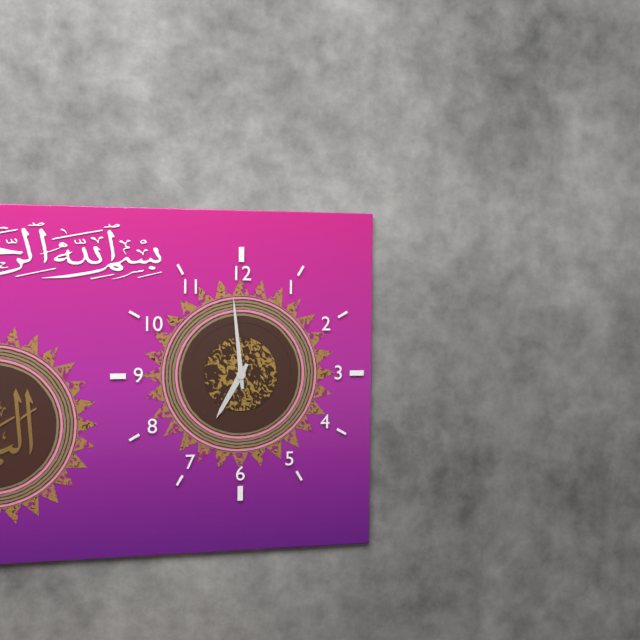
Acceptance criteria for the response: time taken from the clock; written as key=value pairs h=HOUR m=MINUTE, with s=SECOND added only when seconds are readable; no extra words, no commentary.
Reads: h=6 m=59
